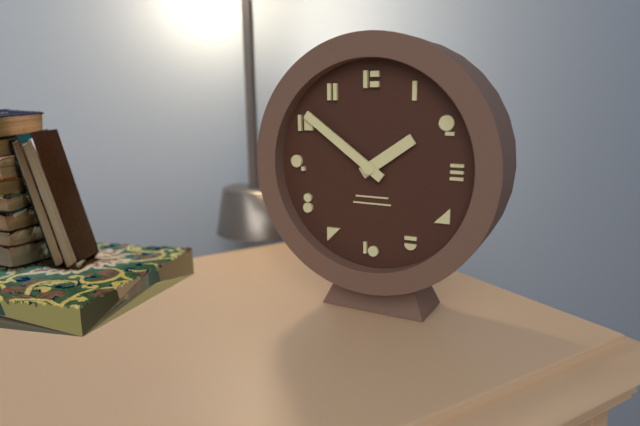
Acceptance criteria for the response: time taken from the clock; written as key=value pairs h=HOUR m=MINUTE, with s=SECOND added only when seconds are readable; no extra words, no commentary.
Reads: h=1 m=51
